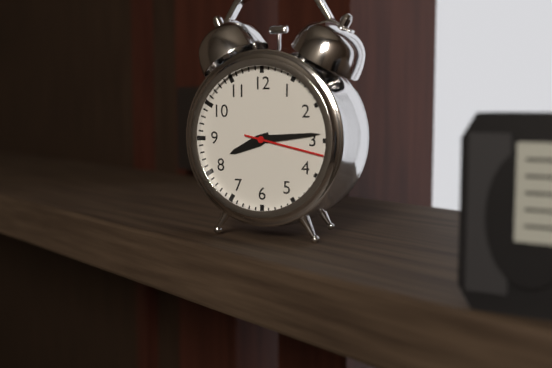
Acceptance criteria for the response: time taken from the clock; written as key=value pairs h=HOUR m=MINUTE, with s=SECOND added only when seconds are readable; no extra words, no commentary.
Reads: h=8 m=14 s=17
